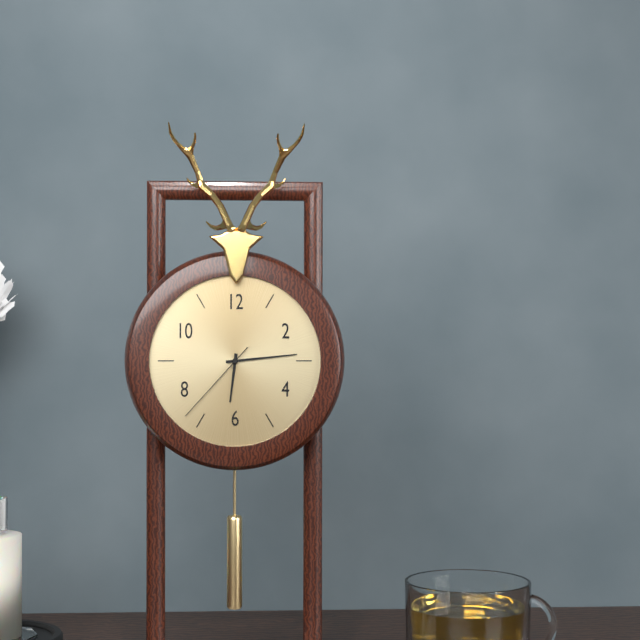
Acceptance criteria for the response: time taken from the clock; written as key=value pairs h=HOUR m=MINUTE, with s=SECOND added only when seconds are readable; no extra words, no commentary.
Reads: h=6 m=14 s=37
